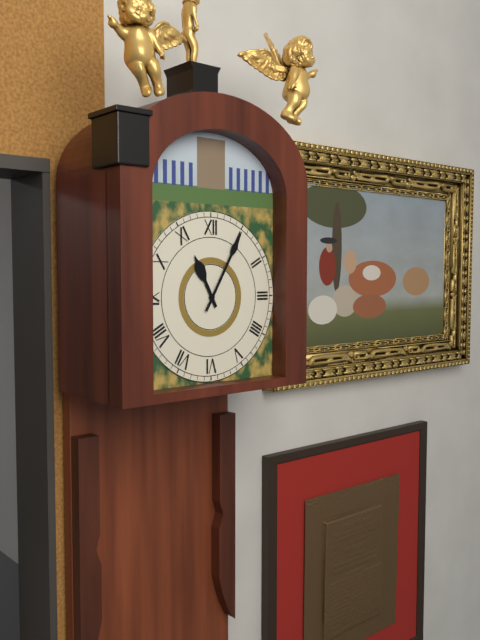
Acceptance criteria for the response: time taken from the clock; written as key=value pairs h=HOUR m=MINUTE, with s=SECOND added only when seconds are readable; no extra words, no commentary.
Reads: h=11 m=5
